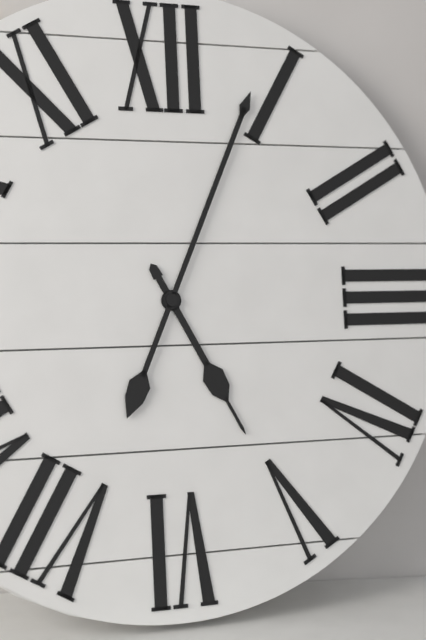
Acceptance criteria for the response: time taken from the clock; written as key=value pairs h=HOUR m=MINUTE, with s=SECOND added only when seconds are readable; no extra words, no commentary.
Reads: h=5 m=4
